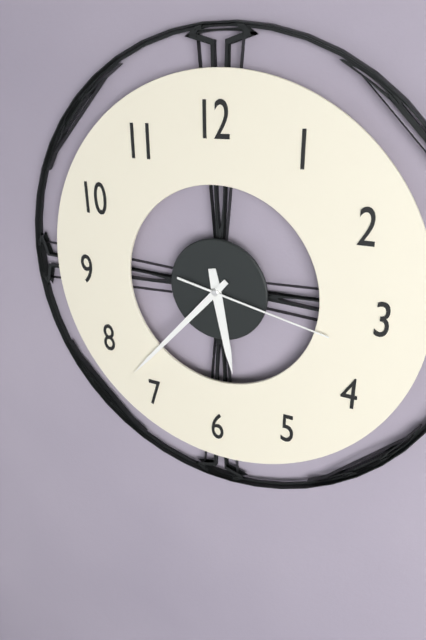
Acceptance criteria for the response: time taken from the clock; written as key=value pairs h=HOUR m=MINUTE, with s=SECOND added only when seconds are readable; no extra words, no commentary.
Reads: h=5 m=37 s=17
